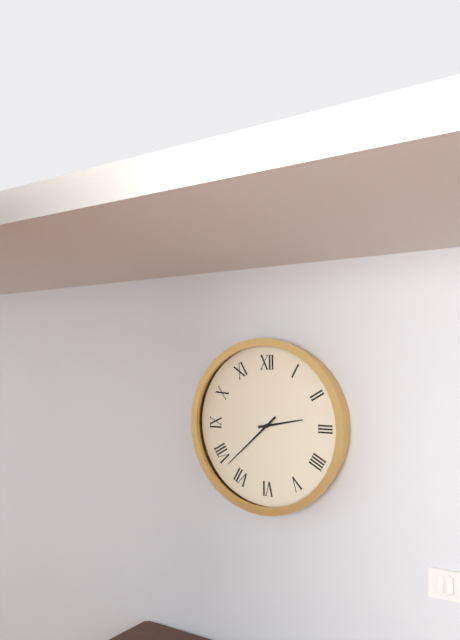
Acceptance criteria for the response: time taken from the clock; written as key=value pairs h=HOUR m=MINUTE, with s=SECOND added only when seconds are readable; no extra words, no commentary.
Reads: h=2 m=38
